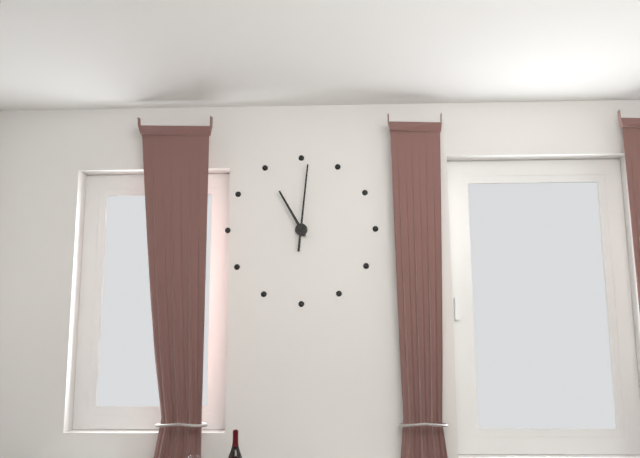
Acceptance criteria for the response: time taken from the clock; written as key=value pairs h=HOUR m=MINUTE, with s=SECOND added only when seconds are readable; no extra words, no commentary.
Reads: h=11 m=1
